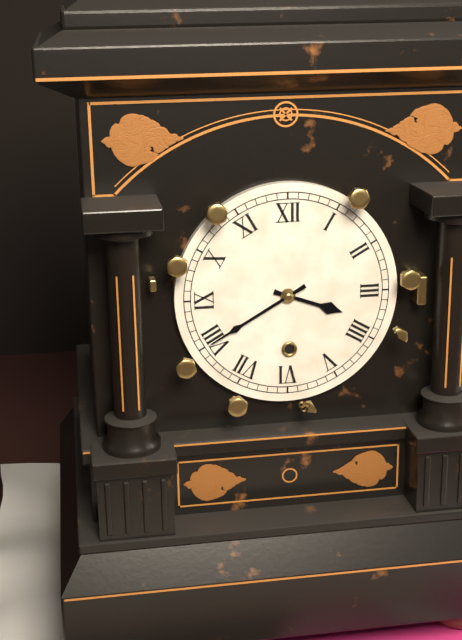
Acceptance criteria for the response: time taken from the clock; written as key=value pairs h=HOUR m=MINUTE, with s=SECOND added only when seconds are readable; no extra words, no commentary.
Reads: h=3 m=40
